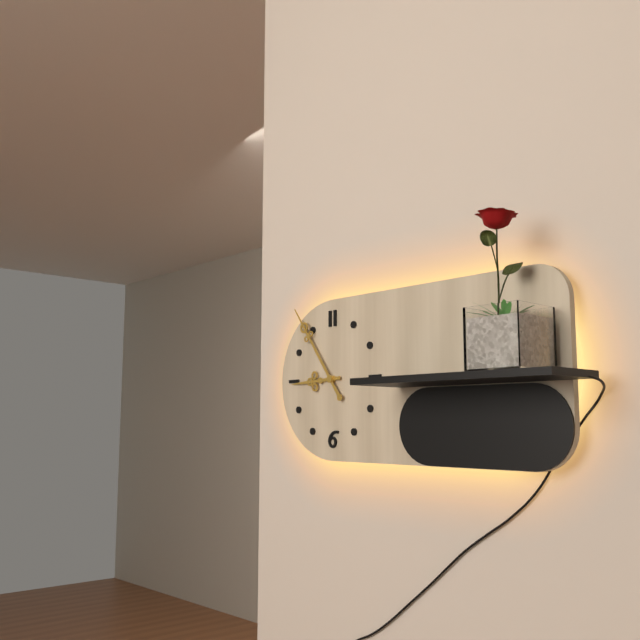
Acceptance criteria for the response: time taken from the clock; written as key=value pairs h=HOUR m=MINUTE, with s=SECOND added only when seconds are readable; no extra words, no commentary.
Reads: h=8 m=54
